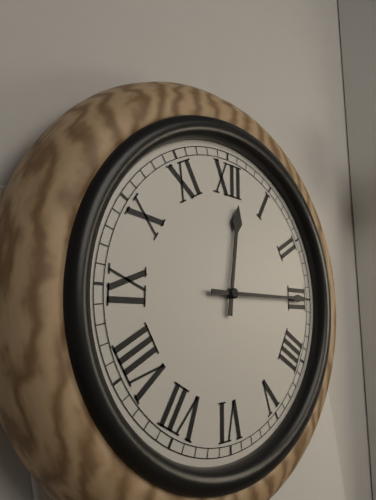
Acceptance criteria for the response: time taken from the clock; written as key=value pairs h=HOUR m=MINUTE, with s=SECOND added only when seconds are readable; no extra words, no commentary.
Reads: h=12 m=15
